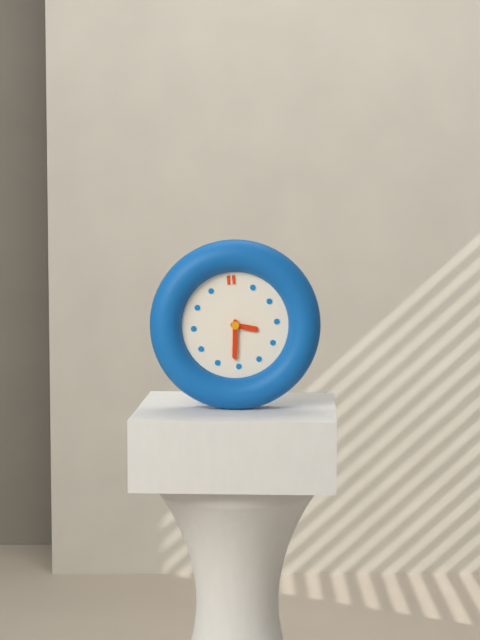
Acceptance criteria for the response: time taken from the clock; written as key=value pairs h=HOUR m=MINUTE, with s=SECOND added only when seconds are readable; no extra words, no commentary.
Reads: h=3 m=31
